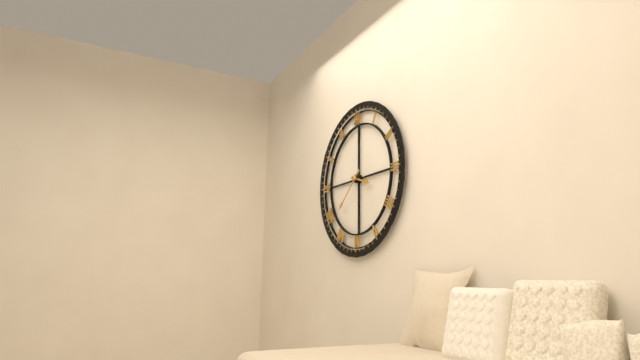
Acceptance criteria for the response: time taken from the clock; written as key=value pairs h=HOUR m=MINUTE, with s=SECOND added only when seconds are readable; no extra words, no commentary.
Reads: h=3 m=38
